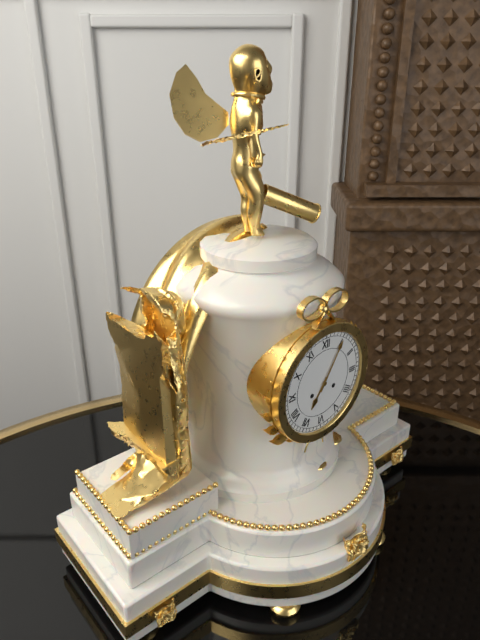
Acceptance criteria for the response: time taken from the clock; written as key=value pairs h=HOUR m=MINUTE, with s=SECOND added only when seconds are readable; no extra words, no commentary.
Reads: h=7 m=5
